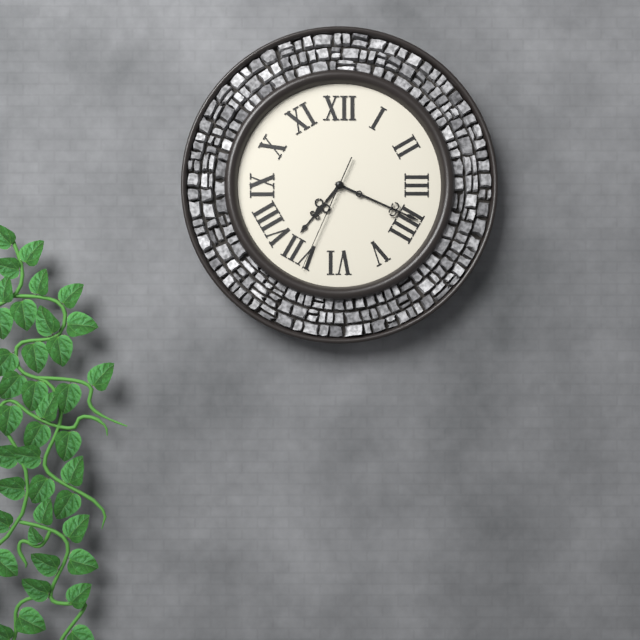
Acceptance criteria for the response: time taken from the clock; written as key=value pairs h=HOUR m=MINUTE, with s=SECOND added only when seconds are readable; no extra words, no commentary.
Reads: h=7 m=19 s=34
